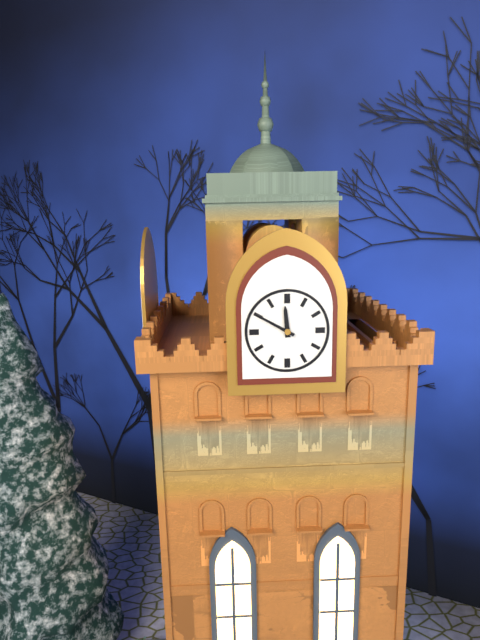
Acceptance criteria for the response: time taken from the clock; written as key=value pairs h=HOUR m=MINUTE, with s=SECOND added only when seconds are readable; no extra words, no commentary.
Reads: h=11 m=50
